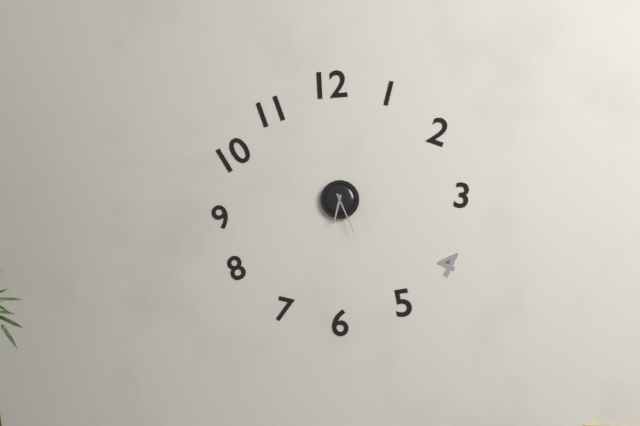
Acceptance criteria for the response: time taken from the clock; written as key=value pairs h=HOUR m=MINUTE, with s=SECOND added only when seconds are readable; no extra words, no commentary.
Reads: h=6 m=26
